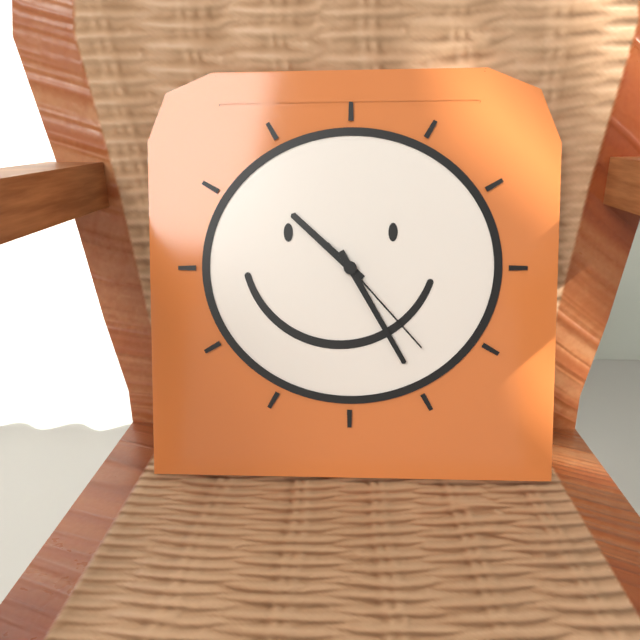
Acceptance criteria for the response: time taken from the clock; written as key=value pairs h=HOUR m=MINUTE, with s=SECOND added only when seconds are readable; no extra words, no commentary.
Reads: h=10 m=25 s=23
